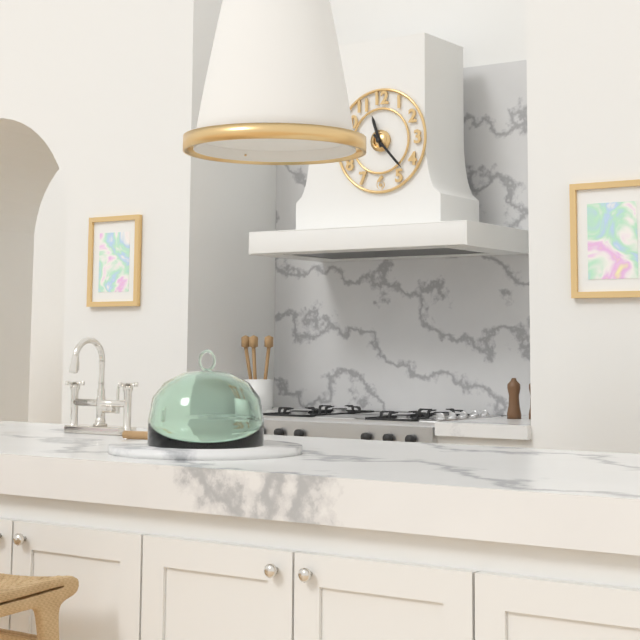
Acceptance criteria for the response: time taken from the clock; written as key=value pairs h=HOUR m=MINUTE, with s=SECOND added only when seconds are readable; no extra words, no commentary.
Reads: h=11 m=23
